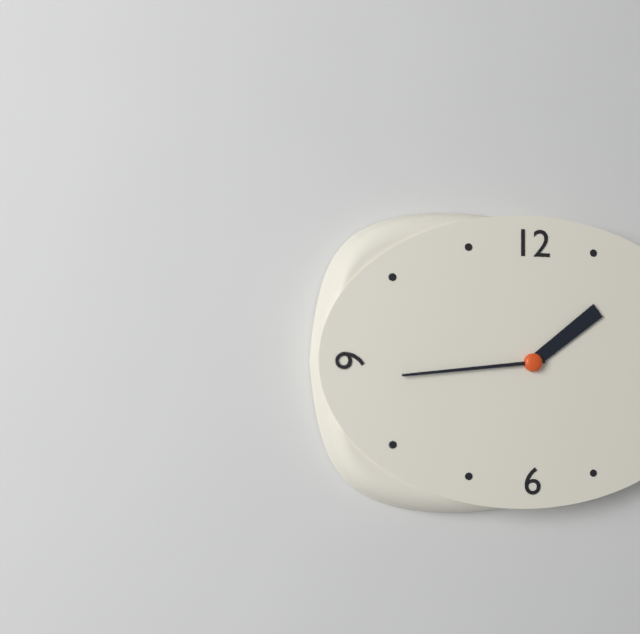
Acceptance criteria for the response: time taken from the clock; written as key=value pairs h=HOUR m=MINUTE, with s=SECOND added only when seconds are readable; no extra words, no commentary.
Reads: h=1 m=44
